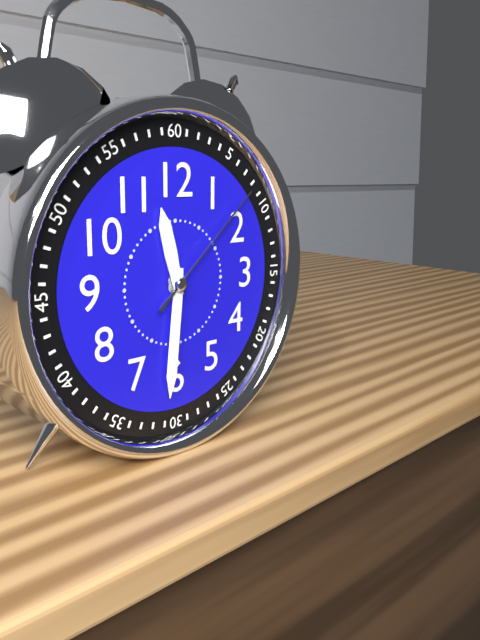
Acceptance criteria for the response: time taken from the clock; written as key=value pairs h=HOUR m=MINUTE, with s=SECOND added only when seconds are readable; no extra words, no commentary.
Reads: h=11 m=31 s=8
